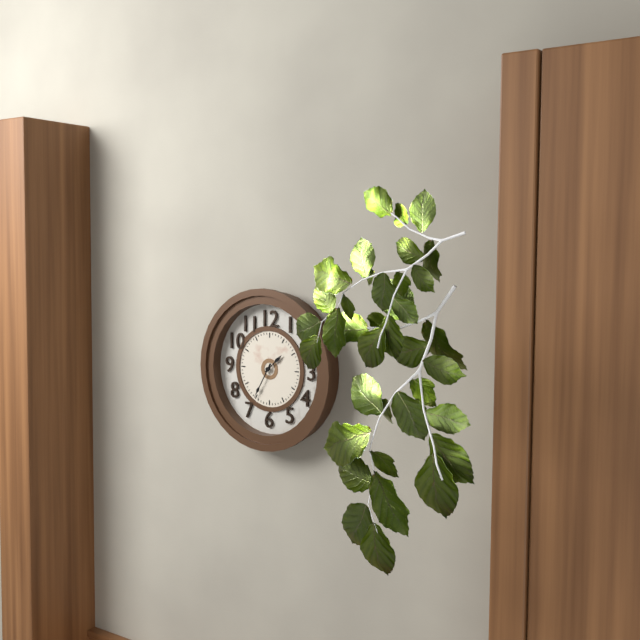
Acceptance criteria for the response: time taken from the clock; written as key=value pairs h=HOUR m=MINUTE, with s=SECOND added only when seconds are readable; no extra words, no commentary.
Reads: h=1 m=35
